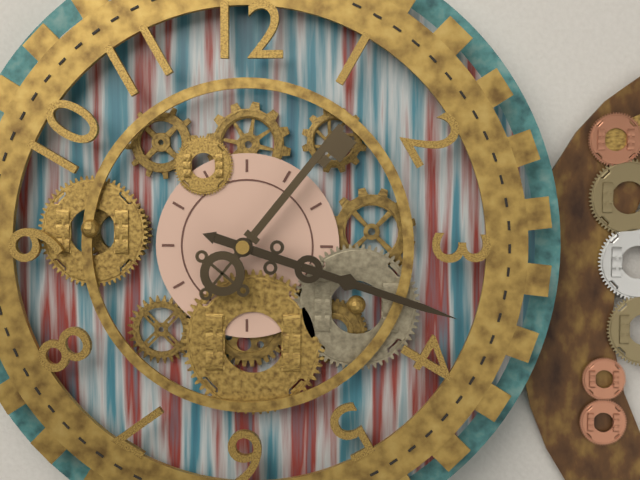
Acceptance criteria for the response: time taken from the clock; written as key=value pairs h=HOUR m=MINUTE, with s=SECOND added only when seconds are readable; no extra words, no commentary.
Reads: h=1 m=18
